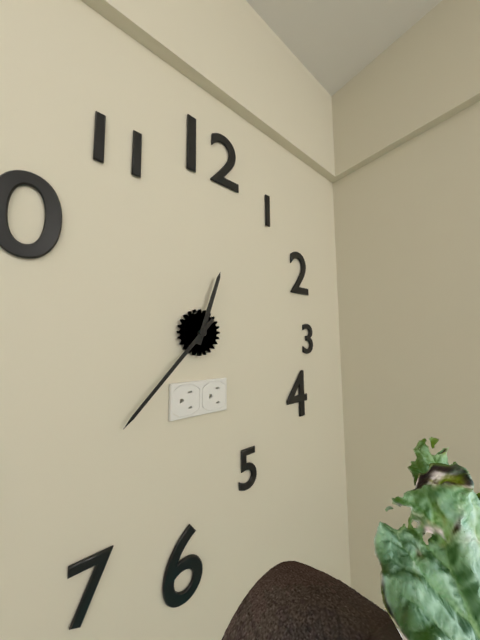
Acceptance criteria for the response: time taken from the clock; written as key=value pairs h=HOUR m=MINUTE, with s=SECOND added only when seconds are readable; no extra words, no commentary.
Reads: h=12 m=37
